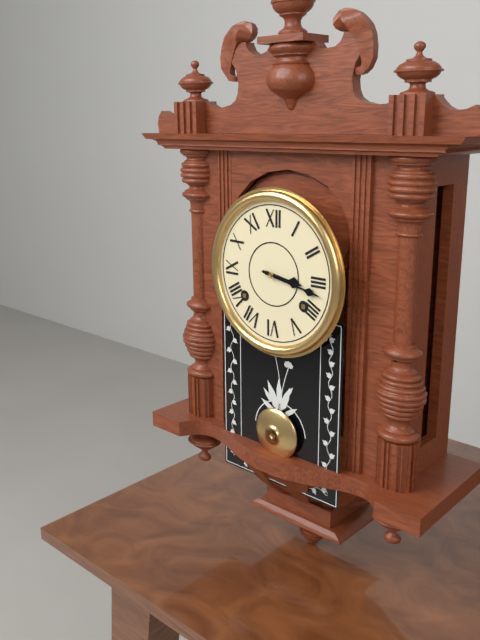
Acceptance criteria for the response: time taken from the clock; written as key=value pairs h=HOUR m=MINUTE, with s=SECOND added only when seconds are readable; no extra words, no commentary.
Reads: h=3 m=17
